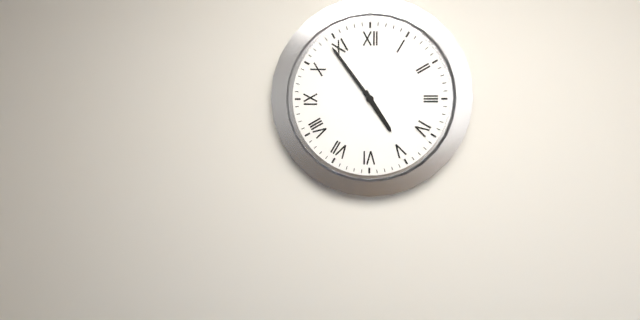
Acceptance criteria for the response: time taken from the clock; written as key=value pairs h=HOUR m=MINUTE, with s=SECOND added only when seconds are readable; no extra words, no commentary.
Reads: h=4 m=54
